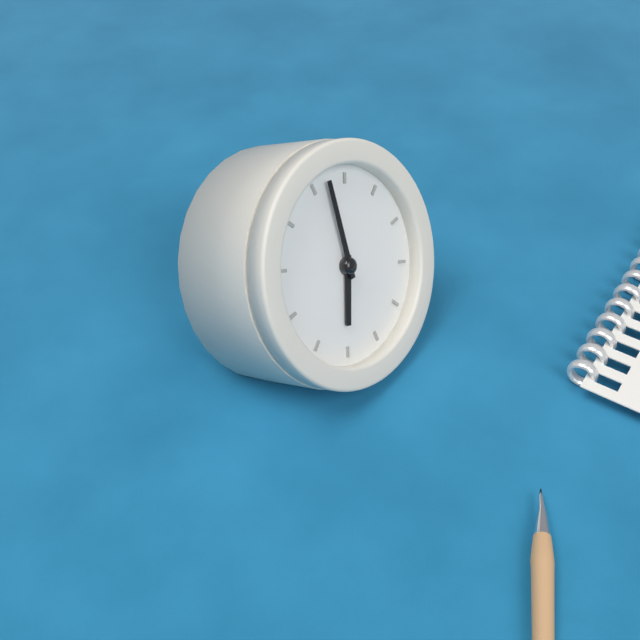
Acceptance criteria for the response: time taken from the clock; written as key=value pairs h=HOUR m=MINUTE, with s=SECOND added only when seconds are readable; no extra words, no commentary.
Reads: h=7 m=2
